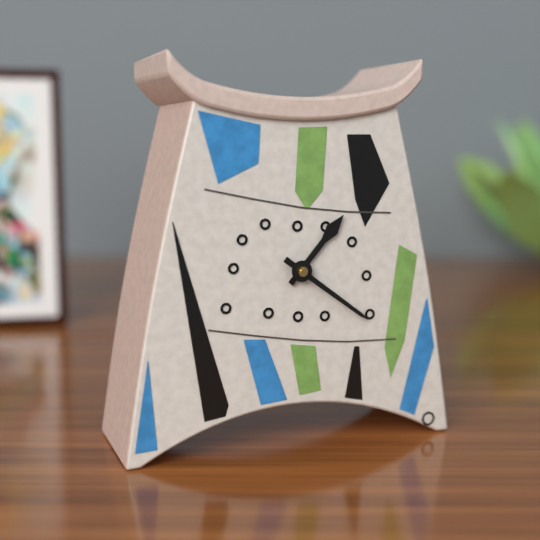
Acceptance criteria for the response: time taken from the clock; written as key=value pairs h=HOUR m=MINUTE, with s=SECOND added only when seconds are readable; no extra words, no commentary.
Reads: h=1 m=21
